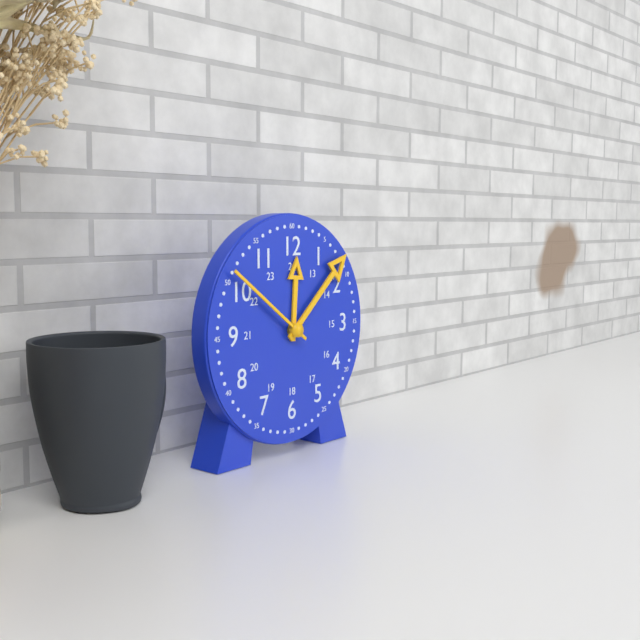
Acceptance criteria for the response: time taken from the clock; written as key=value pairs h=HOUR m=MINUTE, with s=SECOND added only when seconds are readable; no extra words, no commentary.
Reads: h=12 m=8 s=51
